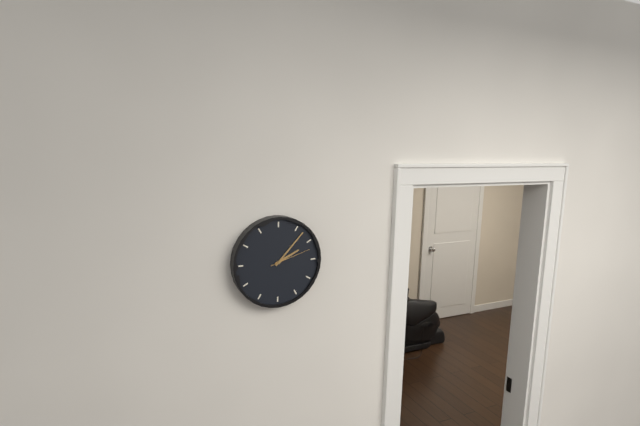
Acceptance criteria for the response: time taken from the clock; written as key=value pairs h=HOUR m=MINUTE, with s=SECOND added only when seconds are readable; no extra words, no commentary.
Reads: h=2 m=7
